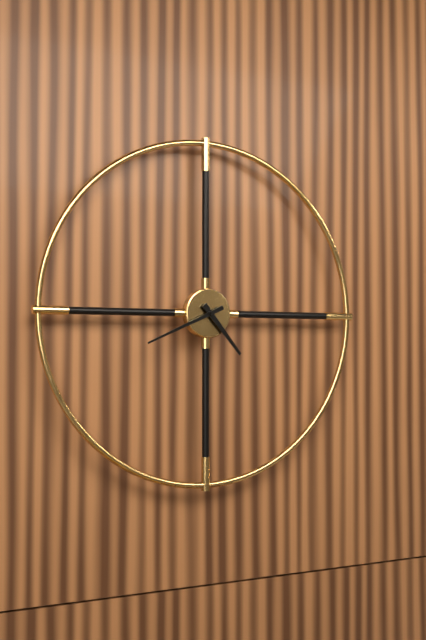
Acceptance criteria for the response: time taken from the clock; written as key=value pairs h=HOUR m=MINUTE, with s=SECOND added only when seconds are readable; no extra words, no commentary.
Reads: h=4 m=41
